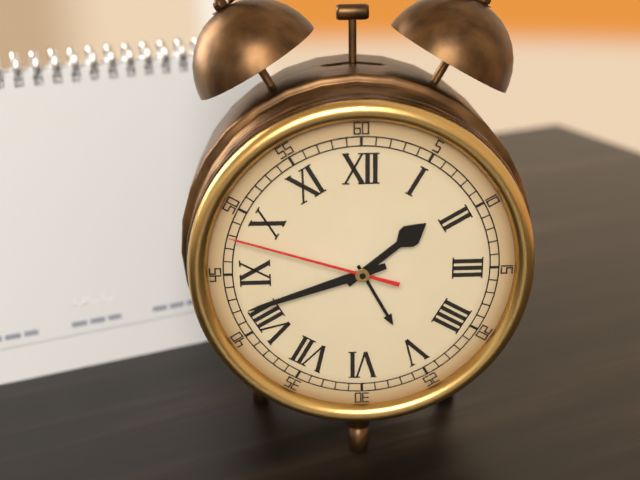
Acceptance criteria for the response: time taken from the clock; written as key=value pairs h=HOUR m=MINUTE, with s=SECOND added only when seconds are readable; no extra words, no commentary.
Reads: h=1 m=42 s=48
